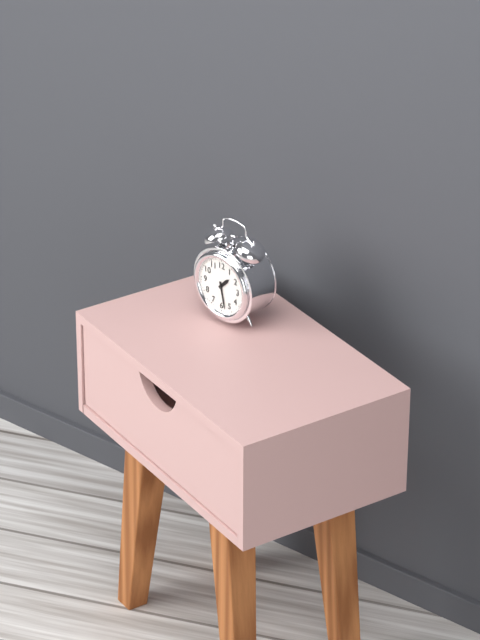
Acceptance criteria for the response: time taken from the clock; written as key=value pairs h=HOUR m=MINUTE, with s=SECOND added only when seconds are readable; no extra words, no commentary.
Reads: h=1 m=28
